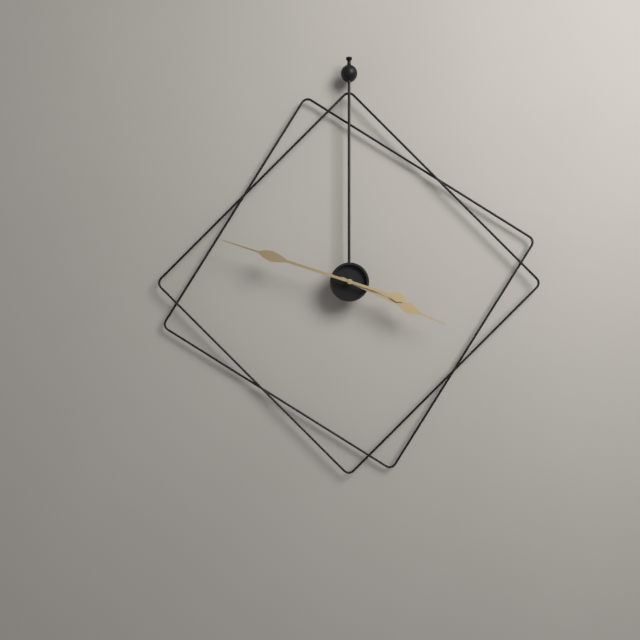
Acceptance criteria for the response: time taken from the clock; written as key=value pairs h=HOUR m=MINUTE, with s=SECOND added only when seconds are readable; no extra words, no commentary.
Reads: h=3 m=48
